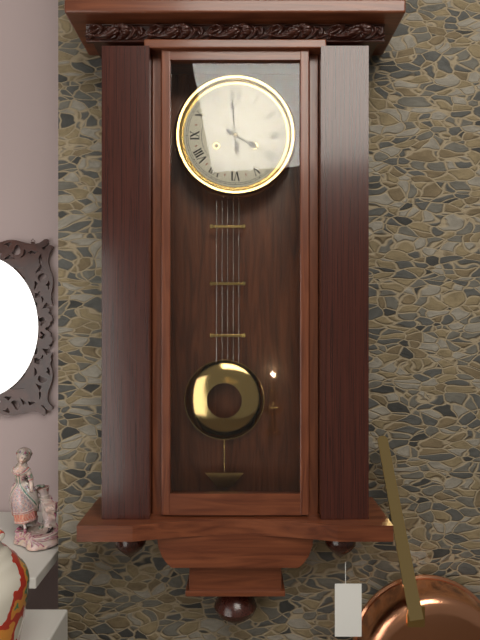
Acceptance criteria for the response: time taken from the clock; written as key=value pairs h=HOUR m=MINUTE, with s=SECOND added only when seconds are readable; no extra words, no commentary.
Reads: h=3 m=59
